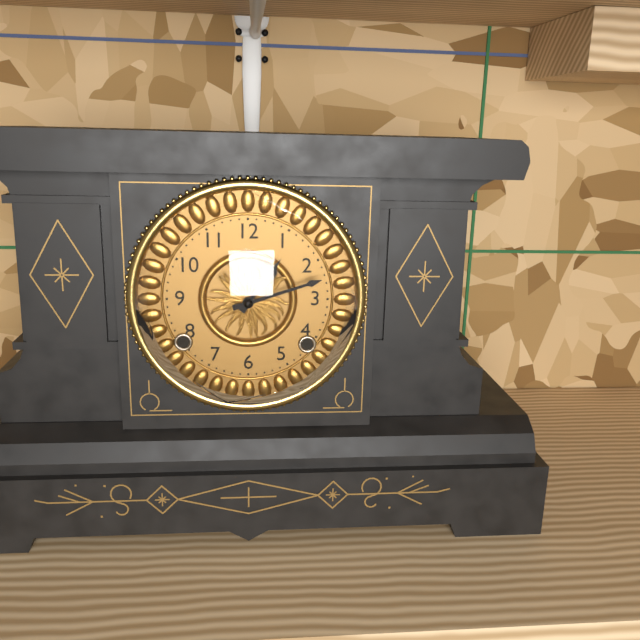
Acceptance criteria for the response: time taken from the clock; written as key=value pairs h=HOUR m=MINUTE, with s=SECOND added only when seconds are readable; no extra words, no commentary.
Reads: h=1 m=12
